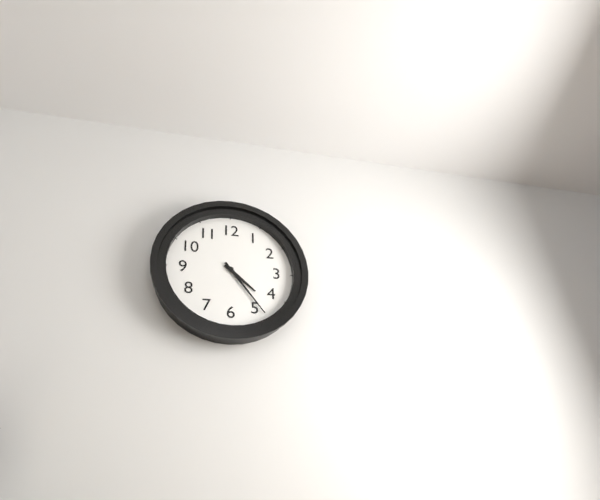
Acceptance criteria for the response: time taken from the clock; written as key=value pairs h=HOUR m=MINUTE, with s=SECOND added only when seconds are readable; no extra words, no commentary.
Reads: h=4 m=24
